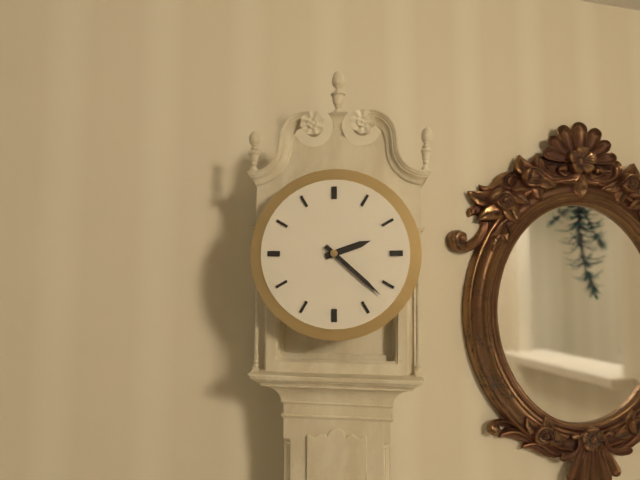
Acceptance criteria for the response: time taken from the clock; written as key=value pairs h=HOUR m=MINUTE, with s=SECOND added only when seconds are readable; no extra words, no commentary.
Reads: h=2 m=22
